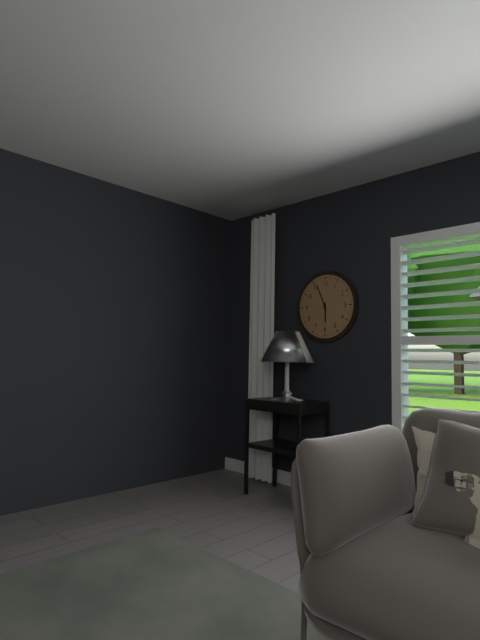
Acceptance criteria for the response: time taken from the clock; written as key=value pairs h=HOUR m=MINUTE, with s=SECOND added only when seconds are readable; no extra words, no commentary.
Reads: h=5 m=56
